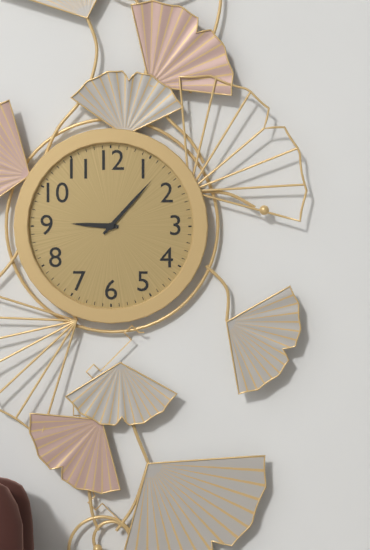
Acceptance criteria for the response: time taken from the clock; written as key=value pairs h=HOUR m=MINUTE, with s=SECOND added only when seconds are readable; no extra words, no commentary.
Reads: h=9 m=7
